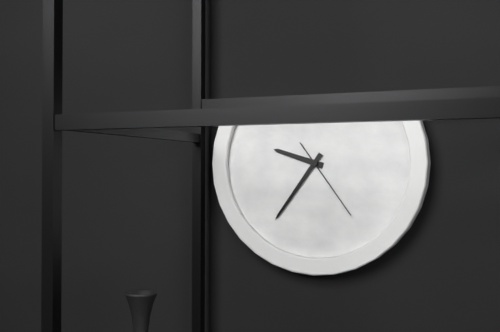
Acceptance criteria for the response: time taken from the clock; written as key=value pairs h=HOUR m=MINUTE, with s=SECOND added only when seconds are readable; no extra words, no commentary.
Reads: h=9 m=36 s=24
